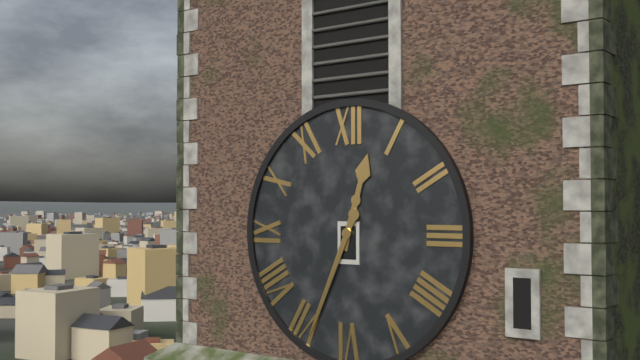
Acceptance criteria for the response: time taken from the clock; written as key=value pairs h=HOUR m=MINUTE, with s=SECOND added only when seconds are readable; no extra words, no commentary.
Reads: h=12 m=34
